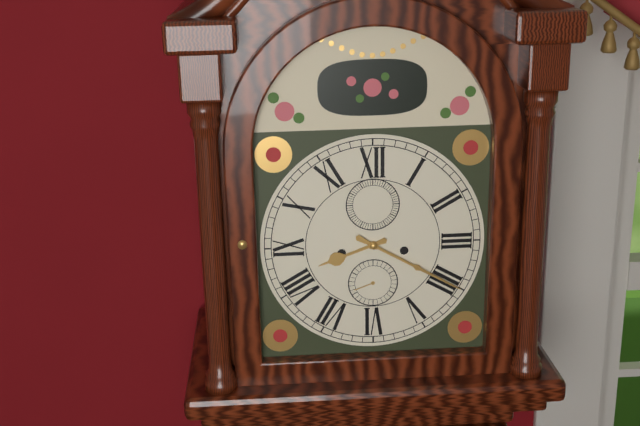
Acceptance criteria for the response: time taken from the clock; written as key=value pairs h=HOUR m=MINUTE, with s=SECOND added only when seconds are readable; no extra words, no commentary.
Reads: h=8 m=20
